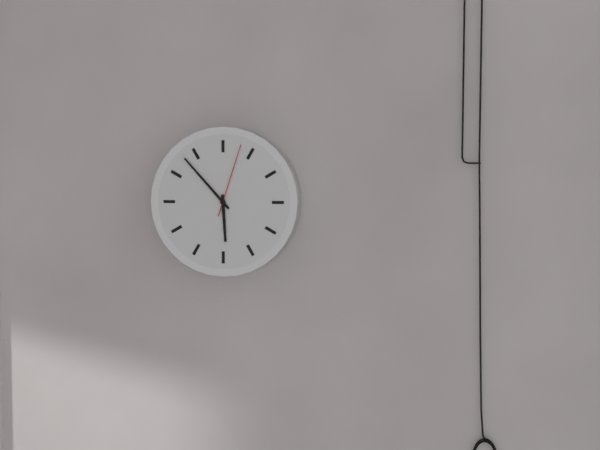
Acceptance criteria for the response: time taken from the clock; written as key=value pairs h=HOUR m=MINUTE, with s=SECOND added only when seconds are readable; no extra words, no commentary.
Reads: h=5 m=53 s=3
